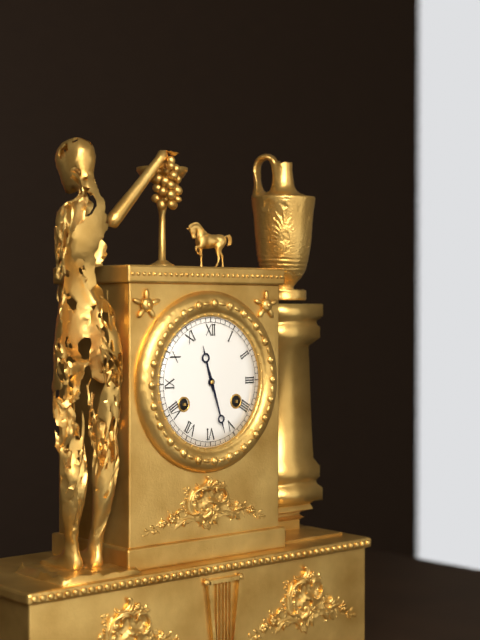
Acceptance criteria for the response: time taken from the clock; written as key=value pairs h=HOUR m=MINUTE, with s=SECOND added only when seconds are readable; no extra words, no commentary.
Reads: h=11 m=27
